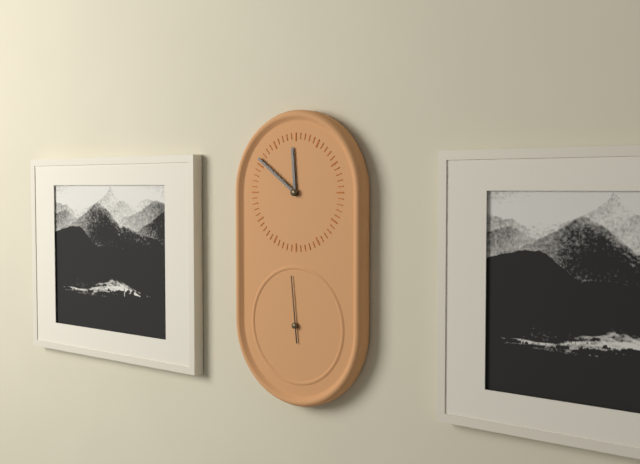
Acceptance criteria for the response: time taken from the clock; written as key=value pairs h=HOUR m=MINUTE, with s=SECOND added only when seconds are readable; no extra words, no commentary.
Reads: h=11 m=51 s=59
